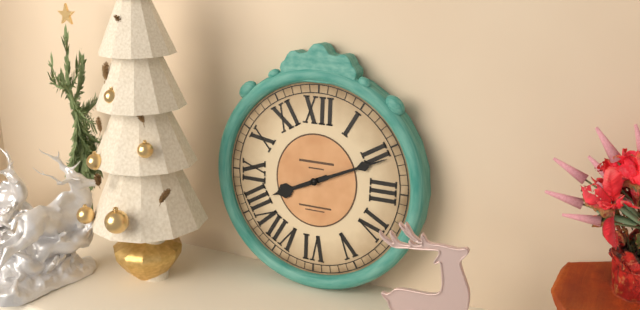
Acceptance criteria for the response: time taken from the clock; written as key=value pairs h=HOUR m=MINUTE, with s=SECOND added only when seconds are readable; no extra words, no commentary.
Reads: h=8 m=11
